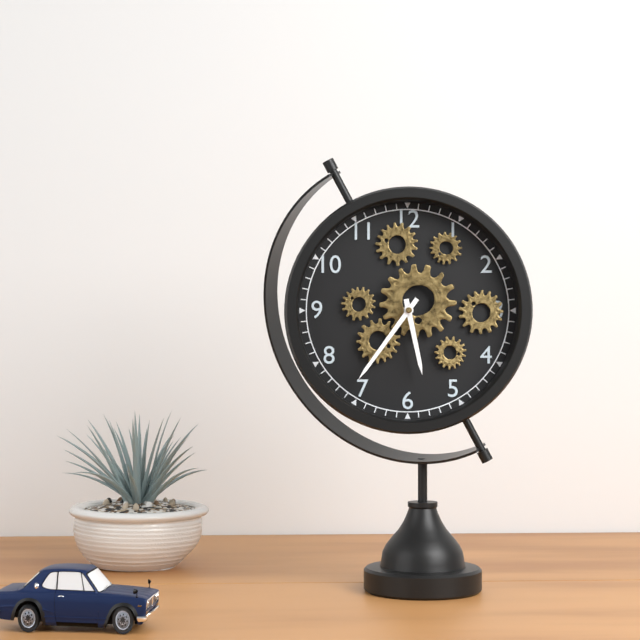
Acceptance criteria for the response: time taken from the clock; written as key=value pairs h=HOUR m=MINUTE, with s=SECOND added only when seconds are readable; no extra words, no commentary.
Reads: h=5 m=36
